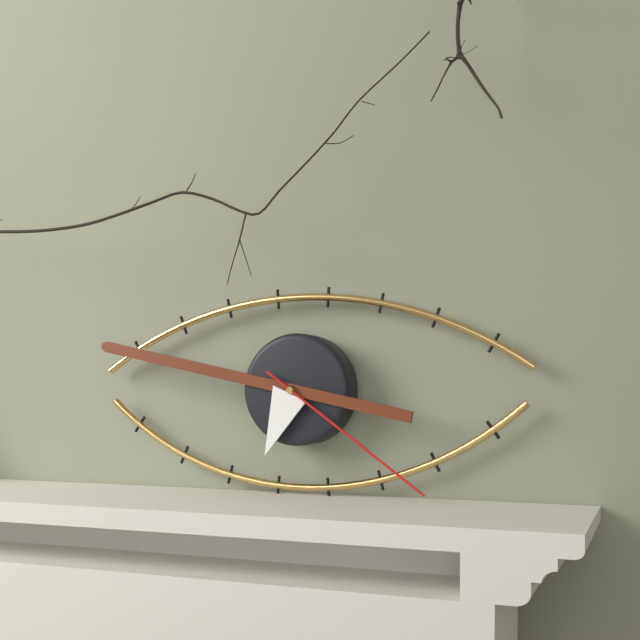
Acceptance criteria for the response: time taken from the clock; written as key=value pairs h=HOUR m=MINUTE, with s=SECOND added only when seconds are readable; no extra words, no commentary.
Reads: h=6 m=47 s=21
